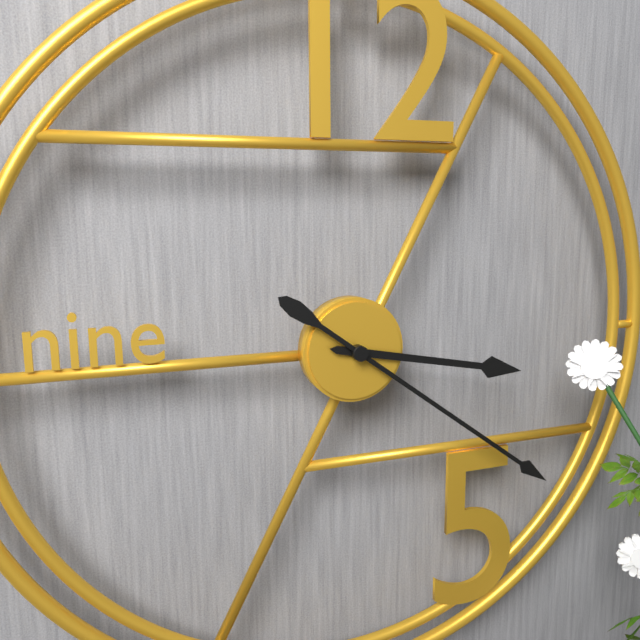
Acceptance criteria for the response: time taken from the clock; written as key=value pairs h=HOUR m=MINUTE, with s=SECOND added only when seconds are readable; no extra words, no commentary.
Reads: h=3 m=21
